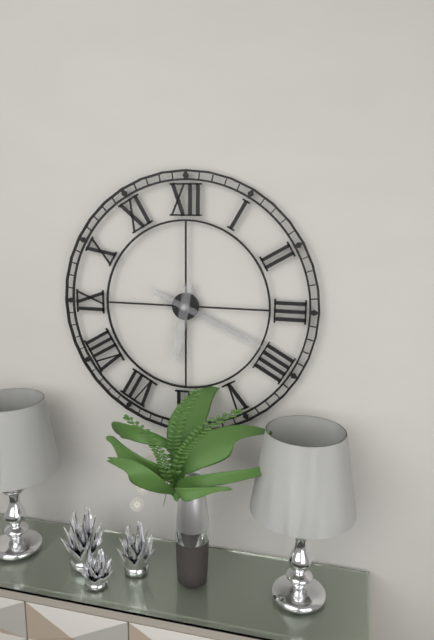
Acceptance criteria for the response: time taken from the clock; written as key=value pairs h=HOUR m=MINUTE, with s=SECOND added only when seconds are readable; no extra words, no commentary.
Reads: h=6 m=19
